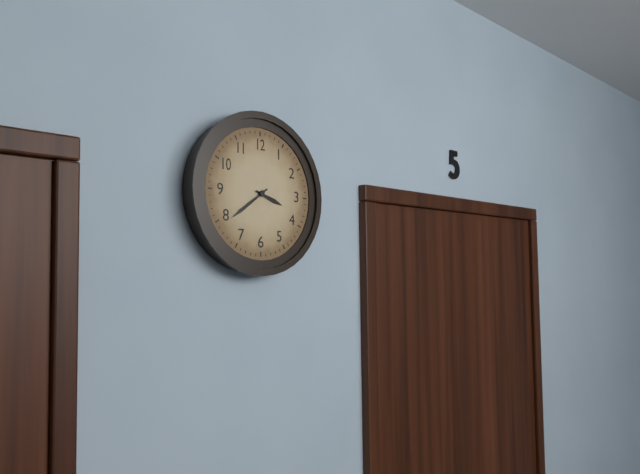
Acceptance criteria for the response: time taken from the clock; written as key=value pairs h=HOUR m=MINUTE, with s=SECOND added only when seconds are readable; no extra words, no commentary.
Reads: h=3 m=39
